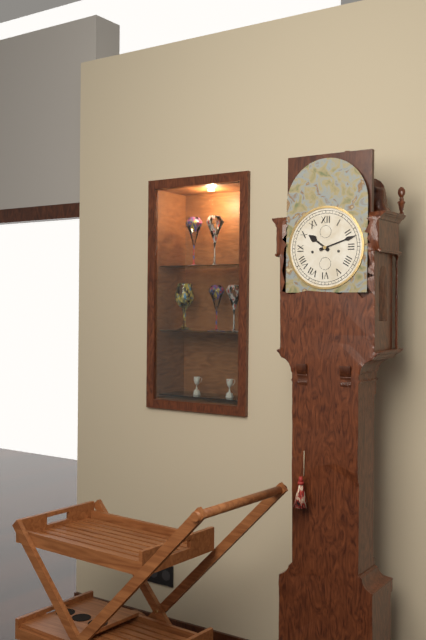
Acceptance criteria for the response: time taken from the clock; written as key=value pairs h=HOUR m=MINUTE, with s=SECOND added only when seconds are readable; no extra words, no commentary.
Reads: h=10 m=12
